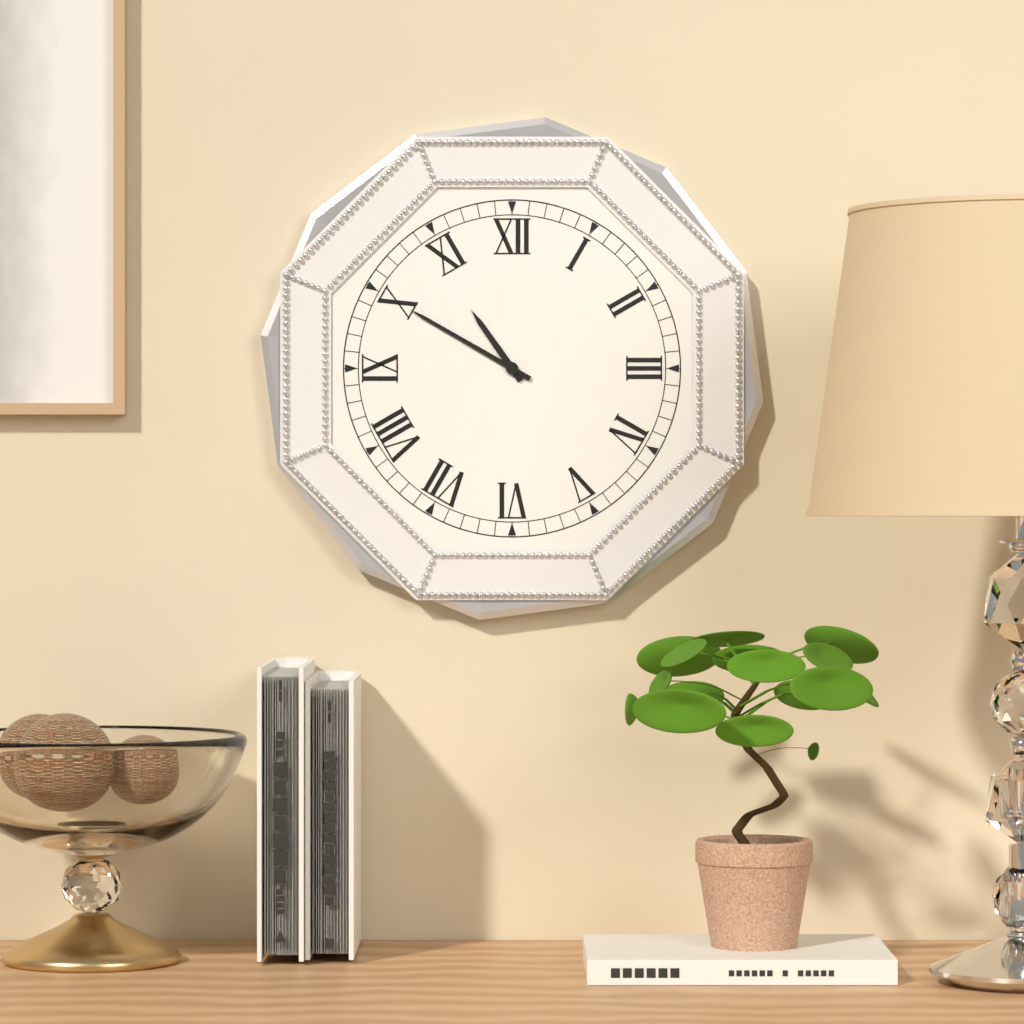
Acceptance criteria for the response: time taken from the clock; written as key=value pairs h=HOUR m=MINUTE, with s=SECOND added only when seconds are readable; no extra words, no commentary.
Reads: h=10 m=50
